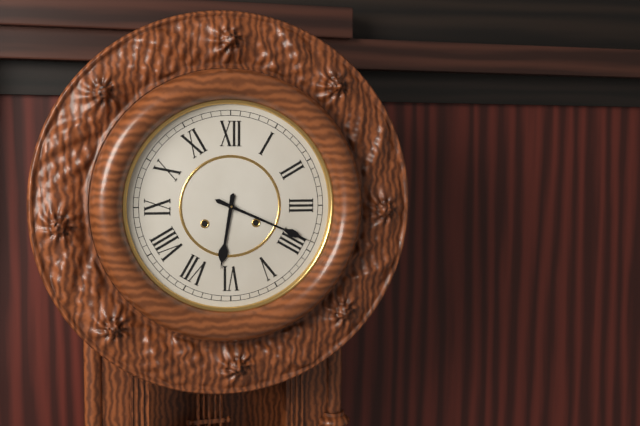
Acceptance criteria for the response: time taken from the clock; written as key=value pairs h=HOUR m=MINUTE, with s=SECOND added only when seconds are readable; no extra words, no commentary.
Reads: h=6 m=19
